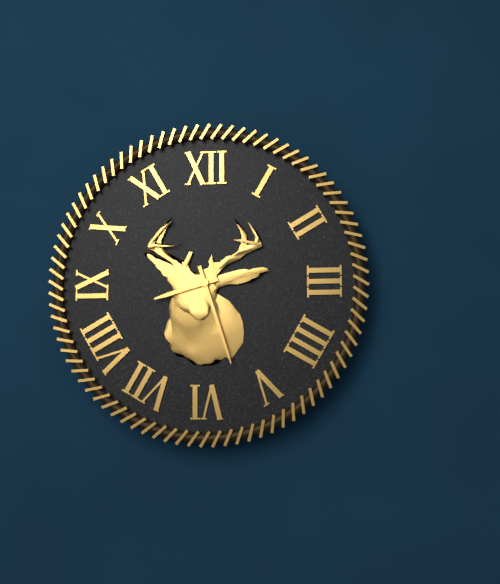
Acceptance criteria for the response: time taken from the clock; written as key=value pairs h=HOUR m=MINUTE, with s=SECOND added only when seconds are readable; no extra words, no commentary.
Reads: h=8 m=27
